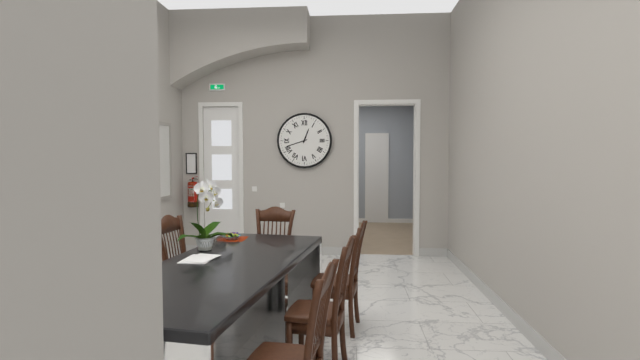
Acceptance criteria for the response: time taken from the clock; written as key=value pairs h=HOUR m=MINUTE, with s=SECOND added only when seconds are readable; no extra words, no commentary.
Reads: h=12 m=42
